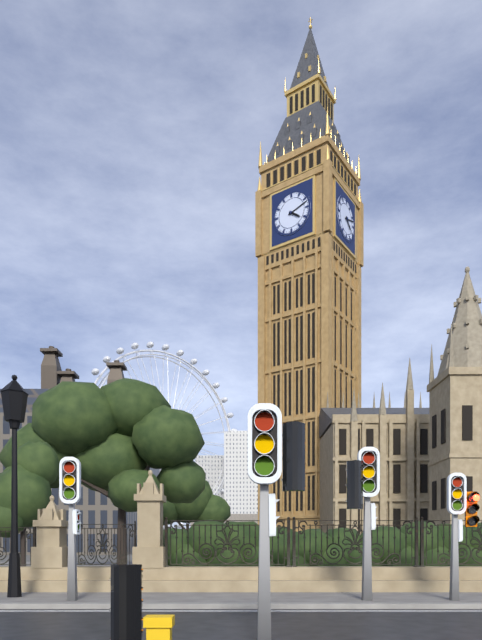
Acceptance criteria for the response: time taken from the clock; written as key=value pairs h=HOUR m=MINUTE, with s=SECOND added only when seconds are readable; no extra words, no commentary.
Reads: h=4 m=12
